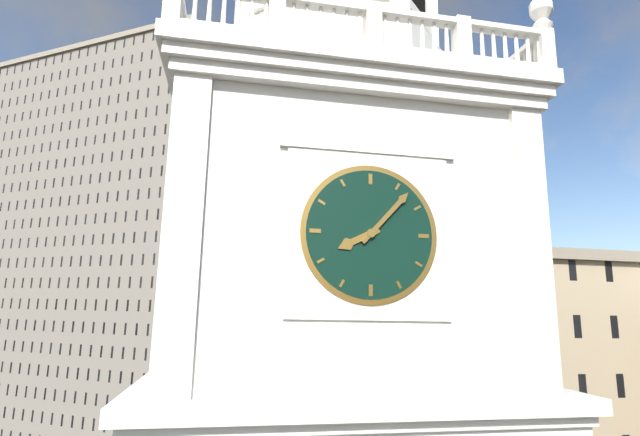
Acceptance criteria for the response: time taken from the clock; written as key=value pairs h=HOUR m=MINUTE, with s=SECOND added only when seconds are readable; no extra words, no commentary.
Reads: h=8 m=7
